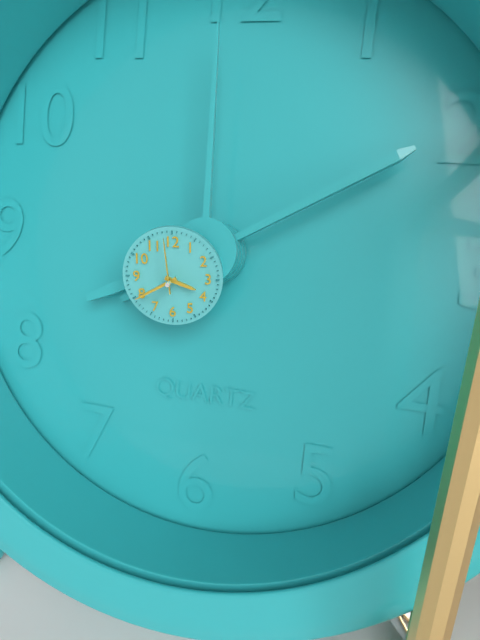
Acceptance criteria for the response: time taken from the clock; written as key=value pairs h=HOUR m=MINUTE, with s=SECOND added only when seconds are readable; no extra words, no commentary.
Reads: h=3 m=40 s=59
